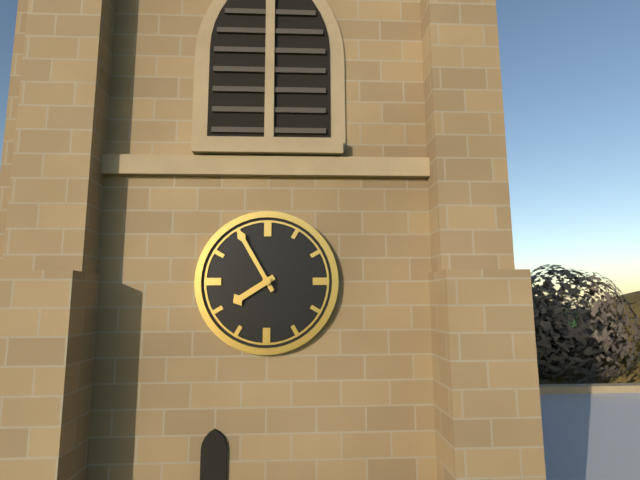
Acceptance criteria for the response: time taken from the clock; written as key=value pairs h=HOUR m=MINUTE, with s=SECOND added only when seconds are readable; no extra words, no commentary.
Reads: h=7 m=55
